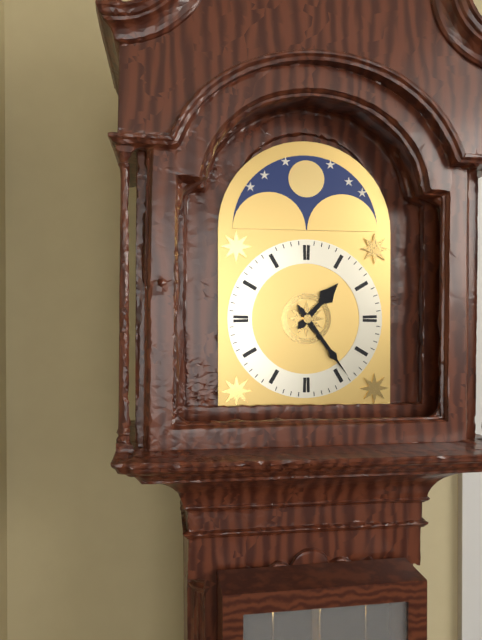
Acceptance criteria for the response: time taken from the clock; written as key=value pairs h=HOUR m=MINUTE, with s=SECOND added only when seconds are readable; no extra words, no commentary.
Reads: h=1 m=24
